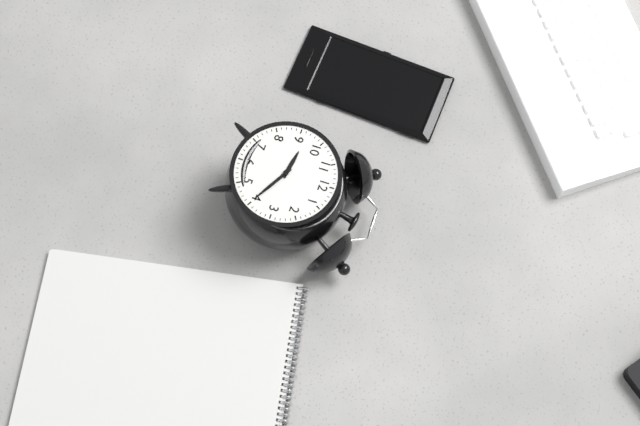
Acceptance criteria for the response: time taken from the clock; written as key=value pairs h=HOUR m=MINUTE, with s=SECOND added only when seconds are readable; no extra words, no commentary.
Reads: h=9 m=20
